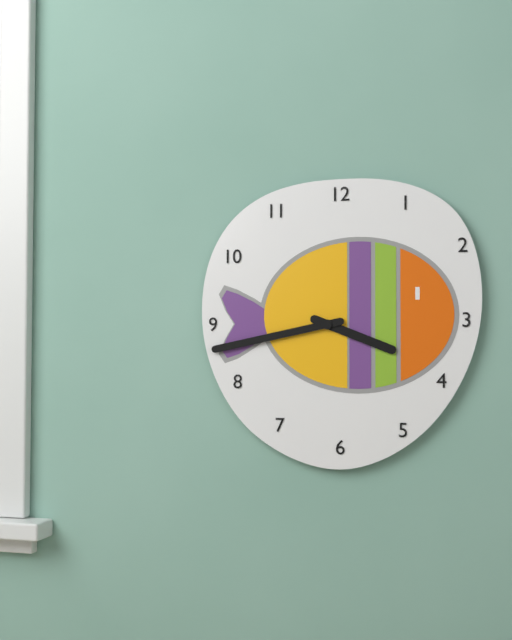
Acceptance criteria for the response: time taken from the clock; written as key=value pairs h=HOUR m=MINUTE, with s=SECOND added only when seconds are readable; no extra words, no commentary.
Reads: h=3 m=43
